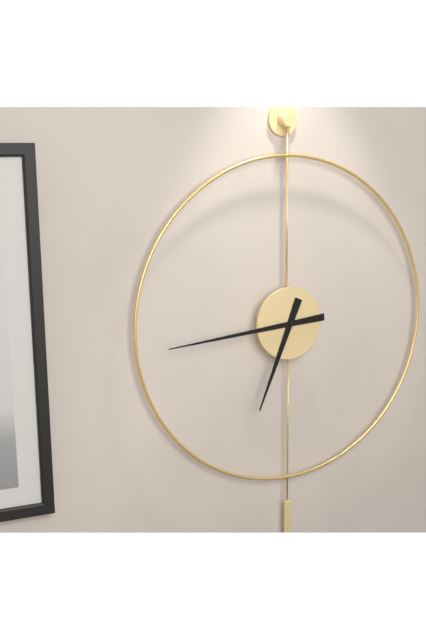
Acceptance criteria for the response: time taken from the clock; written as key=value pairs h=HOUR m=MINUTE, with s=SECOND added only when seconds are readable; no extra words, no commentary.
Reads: h=6 m=44
